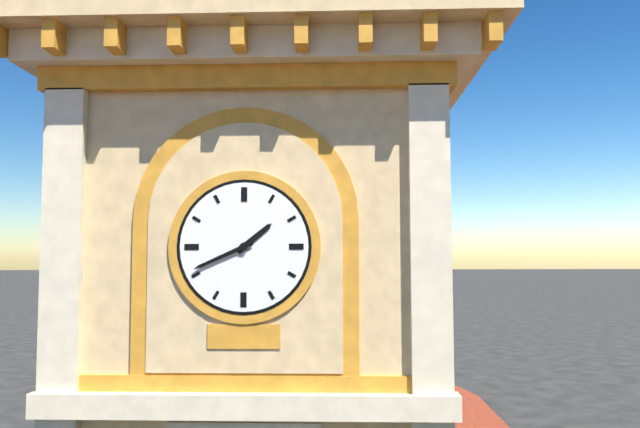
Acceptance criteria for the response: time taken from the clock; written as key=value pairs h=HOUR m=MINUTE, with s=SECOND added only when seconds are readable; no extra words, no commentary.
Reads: h=1 m=41
